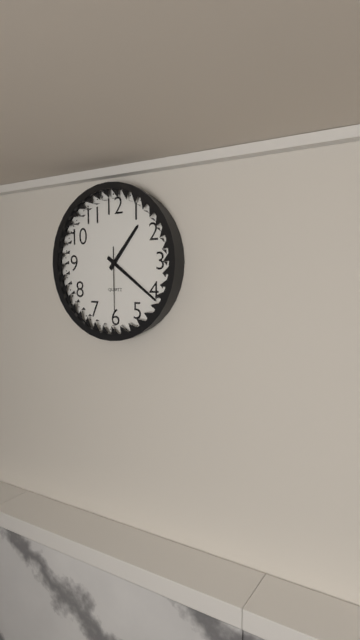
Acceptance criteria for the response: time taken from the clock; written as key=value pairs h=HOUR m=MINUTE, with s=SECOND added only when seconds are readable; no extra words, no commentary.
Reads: h=1 m=21 s=30
